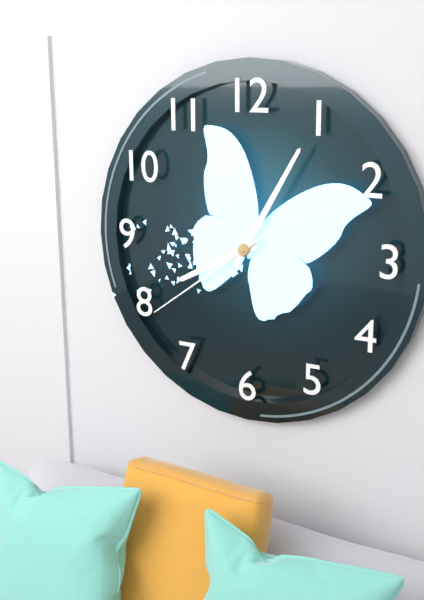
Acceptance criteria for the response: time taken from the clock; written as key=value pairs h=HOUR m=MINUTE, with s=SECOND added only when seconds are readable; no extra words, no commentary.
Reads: h=8 m=5 s=39
